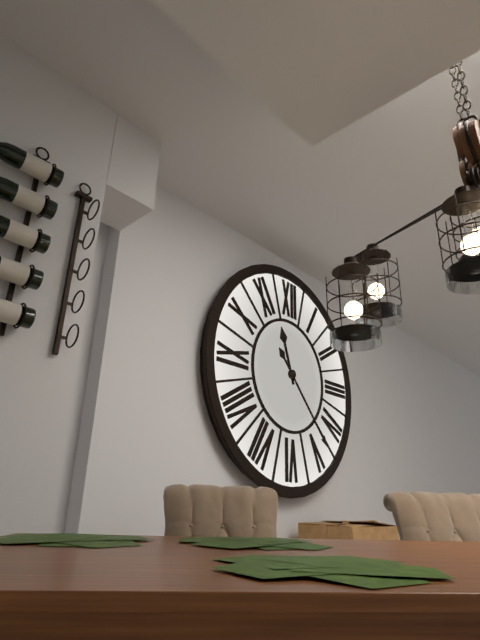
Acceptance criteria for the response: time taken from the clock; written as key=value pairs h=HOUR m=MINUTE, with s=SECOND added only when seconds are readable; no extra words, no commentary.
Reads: h=11 m=23
